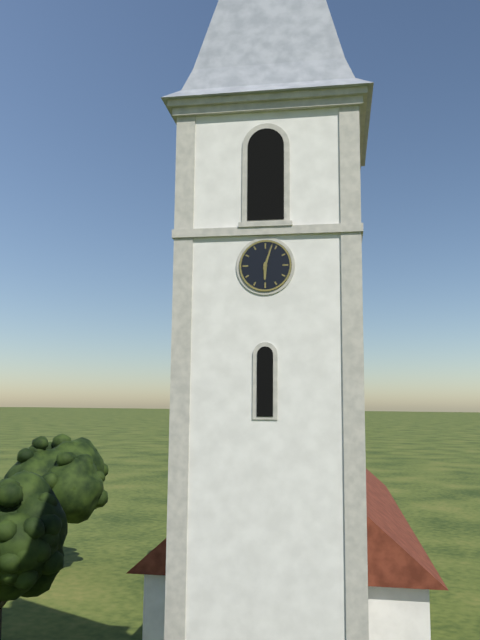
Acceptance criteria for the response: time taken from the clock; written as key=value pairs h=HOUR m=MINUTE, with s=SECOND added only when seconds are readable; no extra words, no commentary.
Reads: h=6 m=3
